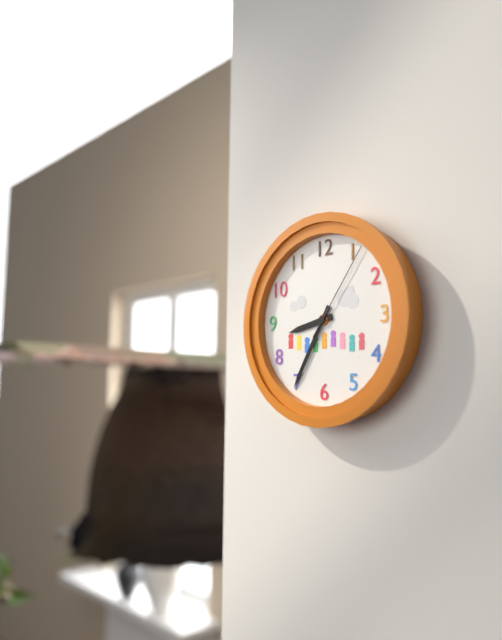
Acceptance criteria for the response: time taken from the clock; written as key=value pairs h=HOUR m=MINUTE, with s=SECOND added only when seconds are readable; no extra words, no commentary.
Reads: h=8 m=35 s=6
